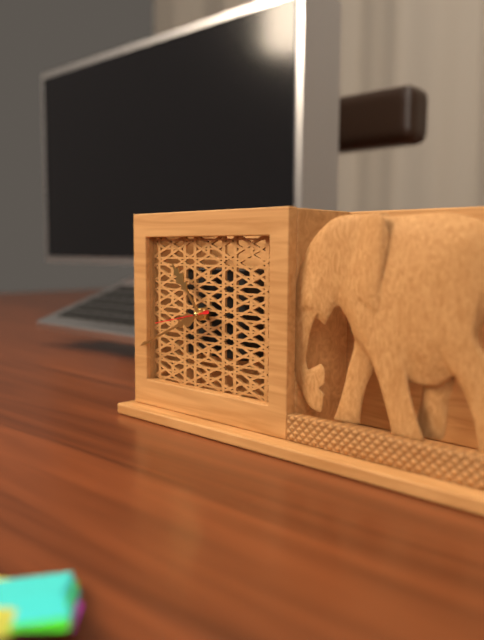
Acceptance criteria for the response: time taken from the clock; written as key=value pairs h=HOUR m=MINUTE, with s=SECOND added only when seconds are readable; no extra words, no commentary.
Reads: h=10 m=41 s=43
